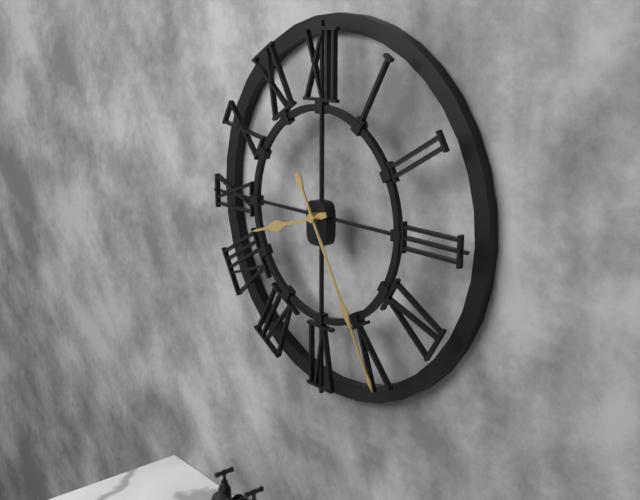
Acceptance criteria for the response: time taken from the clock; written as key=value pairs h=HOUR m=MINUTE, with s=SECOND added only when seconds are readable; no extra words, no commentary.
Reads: h=8 m=25
